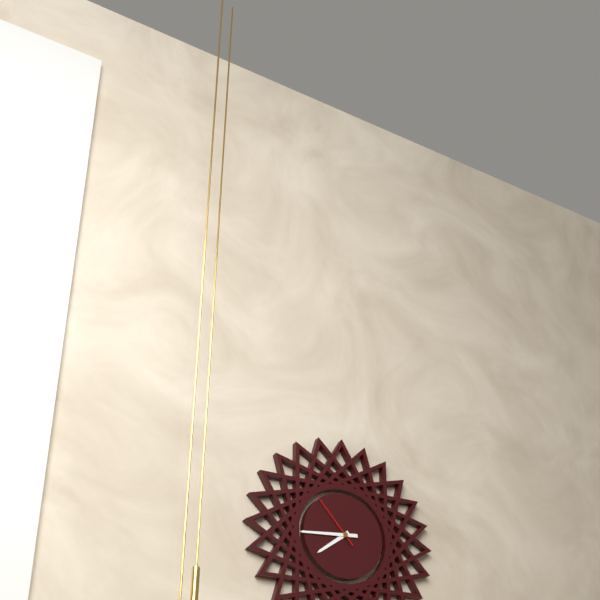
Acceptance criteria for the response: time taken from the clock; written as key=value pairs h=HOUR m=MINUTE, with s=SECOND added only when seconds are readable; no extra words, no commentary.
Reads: h=7 m=44 s=53
